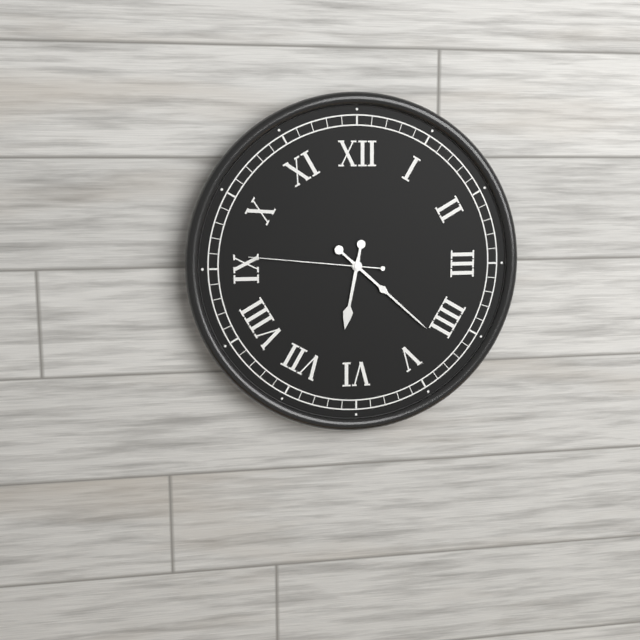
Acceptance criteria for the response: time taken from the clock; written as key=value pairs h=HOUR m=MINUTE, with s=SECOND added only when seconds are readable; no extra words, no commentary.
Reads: h=6 m=22 s=46
